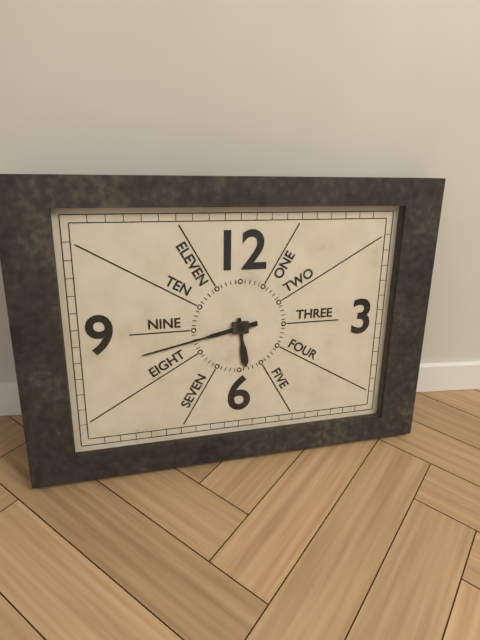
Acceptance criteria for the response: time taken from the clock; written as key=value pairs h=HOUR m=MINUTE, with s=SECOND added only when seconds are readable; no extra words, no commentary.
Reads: h=5 m=43
